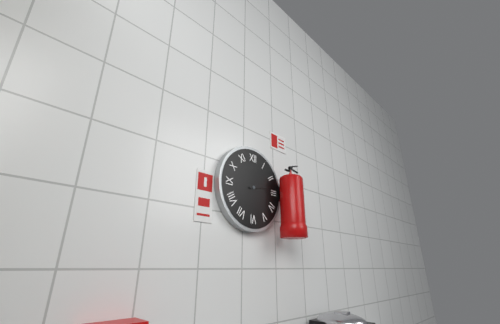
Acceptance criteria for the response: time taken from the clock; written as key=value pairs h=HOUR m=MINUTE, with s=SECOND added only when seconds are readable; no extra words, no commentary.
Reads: h=2 m=13
